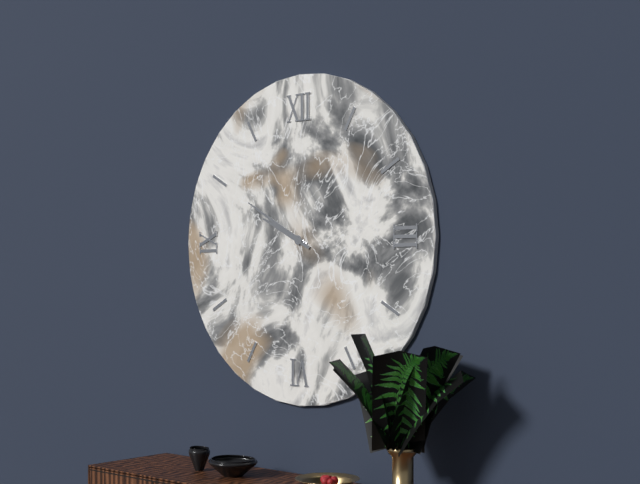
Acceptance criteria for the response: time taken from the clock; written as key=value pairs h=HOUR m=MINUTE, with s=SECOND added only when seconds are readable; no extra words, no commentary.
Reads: h=9 m=50
